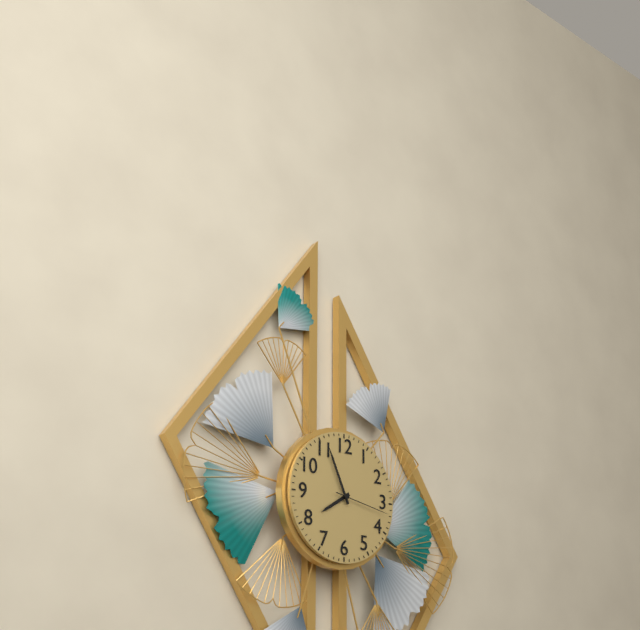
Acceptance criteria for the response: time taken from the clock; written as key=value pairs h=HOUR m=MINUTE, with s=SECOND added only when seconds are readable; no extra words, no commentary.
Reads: h=7 m=56 s=17
